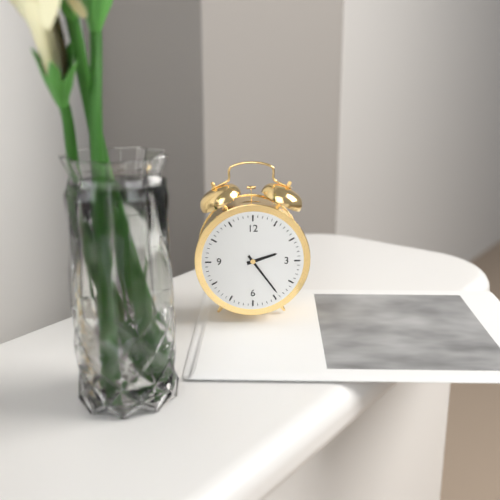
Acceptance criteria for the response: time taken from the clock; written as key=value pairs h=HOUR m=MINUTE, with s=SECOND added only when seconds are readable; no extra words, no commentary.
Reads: h=2 m=24
